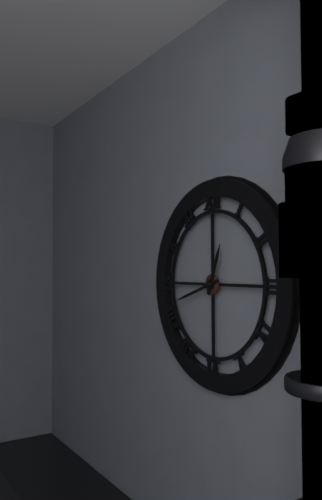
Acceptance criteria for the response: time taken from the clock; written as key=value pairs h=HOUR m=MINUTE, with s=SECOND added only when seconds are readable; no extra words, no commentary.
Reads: h=12 m=42
